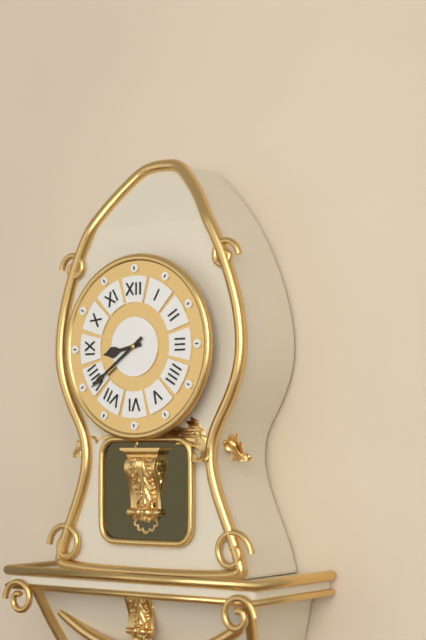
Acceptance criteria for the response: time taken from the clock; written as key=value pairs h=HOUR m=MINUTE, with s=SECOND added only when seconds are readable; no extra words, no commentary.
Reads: h=8 m=39
